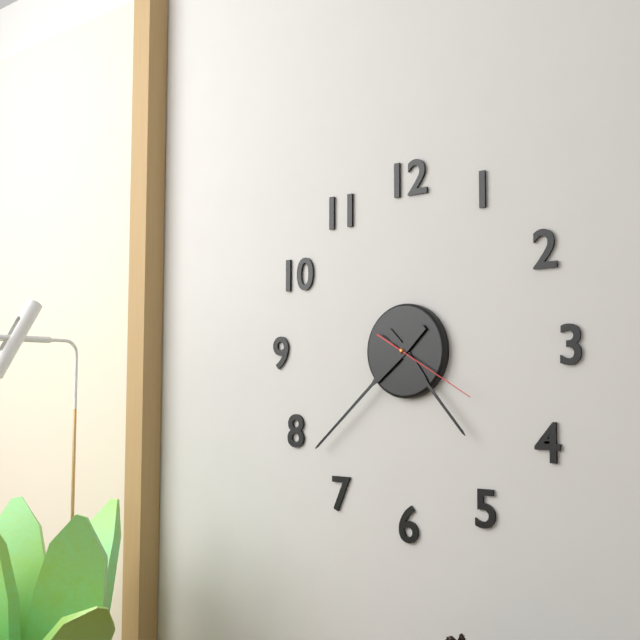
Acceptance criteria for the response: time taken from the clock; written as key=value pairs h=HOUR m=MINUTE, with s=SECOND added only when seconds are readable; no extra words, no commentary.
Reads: h=4 m=38 s=20
